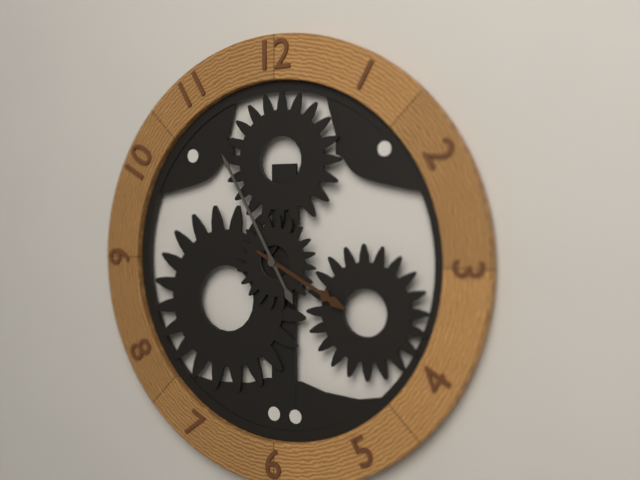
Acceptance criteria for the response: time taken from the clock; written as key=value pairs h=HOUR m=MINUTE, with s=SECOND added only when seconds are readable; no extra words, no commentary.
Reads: h=3 m=55
